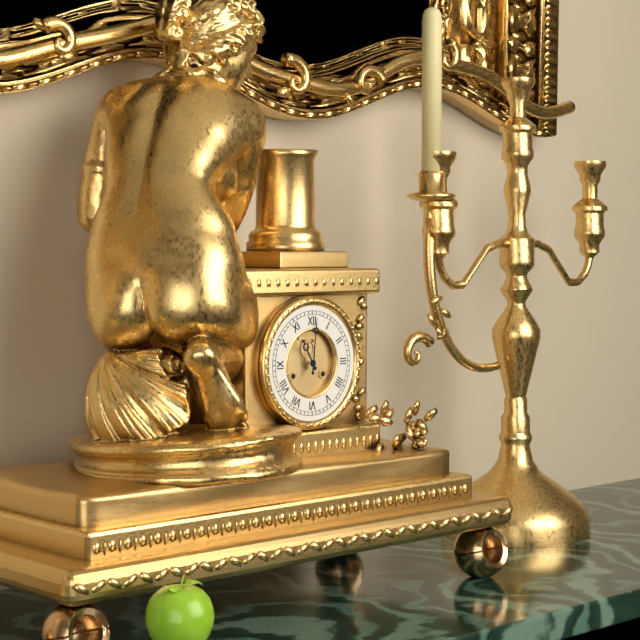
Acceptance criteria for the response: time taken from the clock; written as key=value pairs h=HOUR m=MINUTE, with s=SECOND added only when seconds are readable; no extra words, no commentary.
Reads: h=11 m=1
